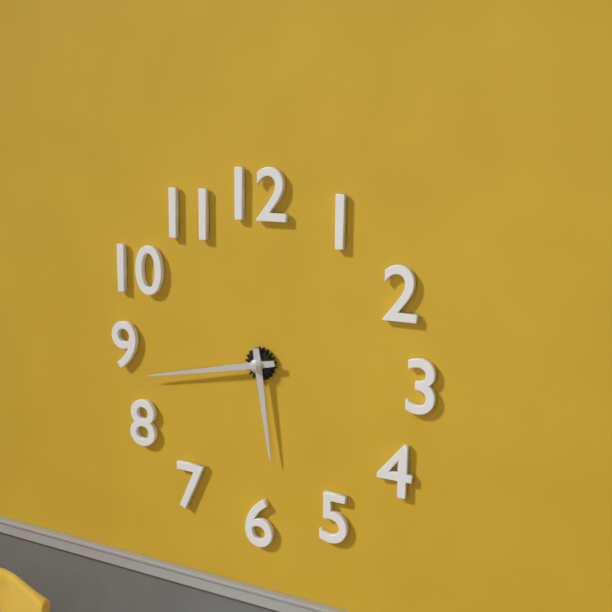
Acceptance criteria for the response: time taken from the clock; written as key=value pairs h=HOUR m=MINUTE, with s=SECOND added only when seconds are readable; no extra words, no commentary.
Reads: h=5 m=43
